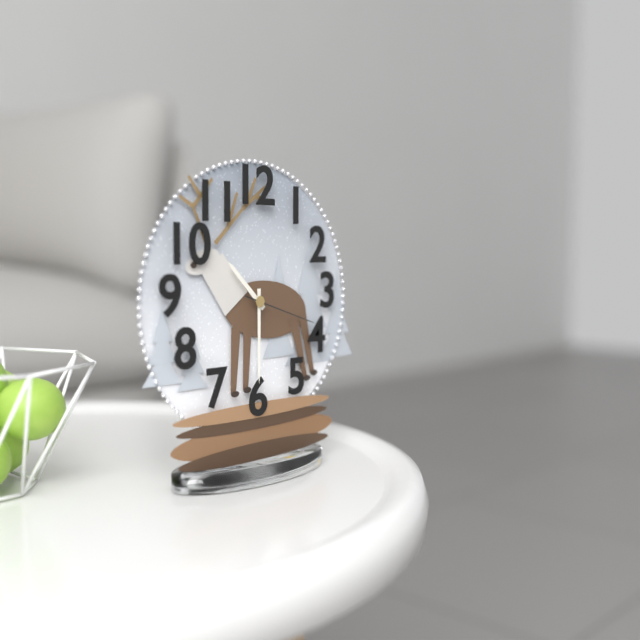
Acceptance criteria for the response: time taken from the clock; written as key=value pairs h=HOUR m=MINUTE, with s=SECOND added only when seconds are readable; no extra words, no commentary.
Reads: h=10 m=30 s=18
